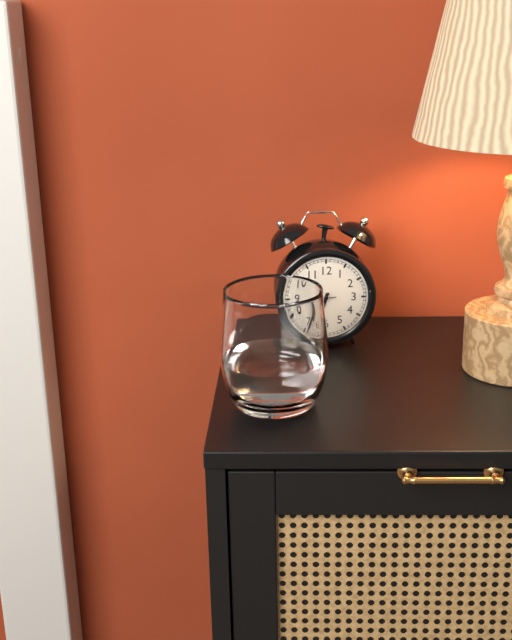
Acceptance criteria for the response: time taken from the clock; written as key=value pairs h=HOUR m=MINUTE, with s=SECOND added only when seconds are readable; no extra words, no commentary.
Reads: h=6 m=34
